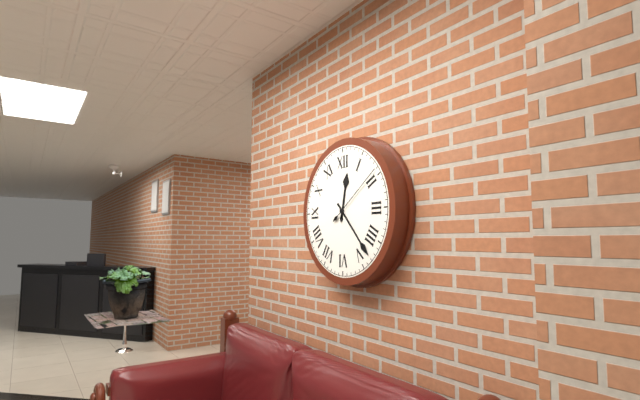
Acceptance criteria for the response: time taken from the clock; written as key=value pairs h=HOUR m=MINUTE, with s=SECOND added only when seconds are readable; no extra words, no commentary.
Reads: h=12 m=23 s=9
